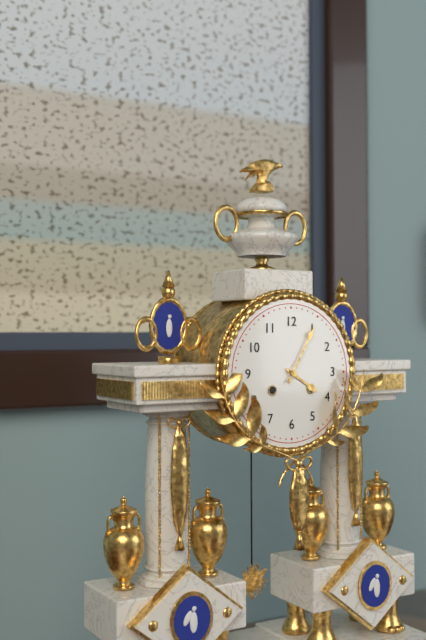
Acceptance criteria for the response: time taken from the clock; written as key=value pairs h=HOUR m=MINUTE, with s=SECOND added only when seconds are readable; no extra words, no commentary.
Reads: h=4 m=5
